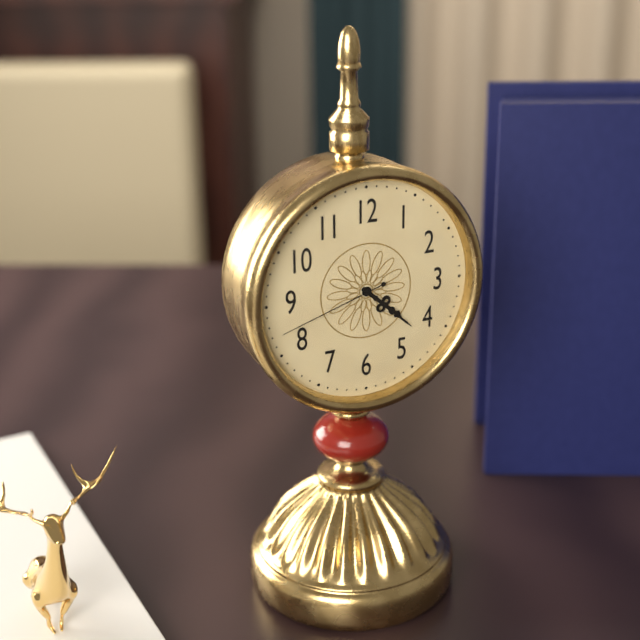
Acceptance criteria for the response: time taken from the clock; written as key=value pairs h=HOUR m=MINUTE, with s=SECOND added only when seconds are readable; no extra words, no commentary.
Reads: h=4 m=22 s=42
